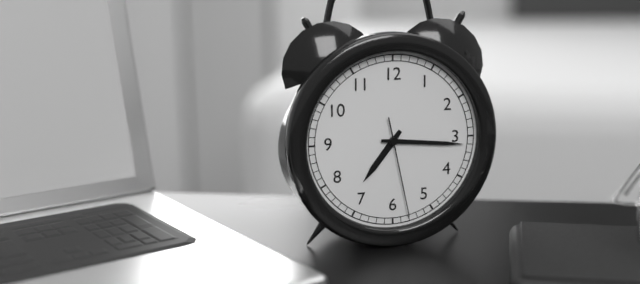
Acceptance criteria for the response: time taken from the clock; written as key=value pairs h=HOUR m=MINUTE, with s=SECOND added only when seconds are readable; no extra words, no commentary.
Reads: h=7 m=16 s=28
